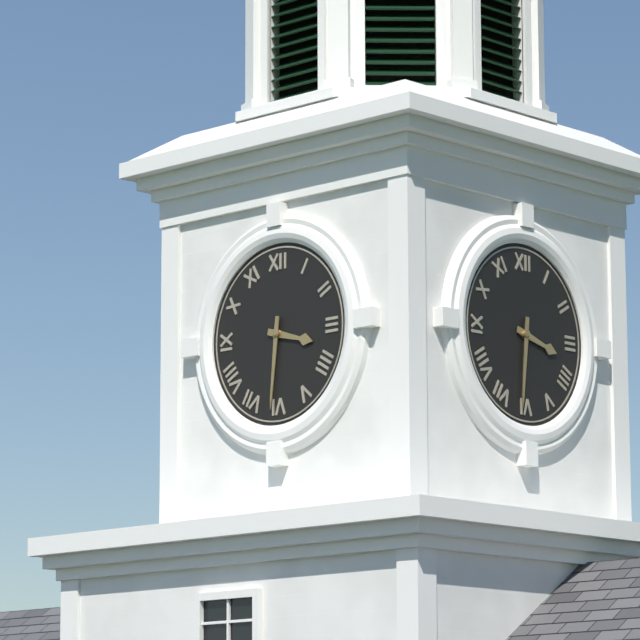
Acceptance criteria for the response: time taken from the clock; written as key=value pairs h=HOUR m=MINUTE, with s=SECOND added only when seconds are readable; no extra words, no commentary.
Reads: h=3 m=31
